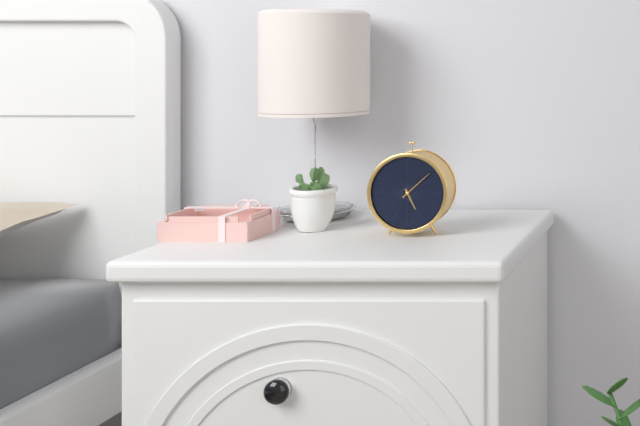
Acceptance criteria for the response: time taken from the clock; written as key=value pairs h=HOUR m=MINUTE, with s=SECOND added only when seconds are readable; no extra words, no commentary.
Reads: h=5 m=8
